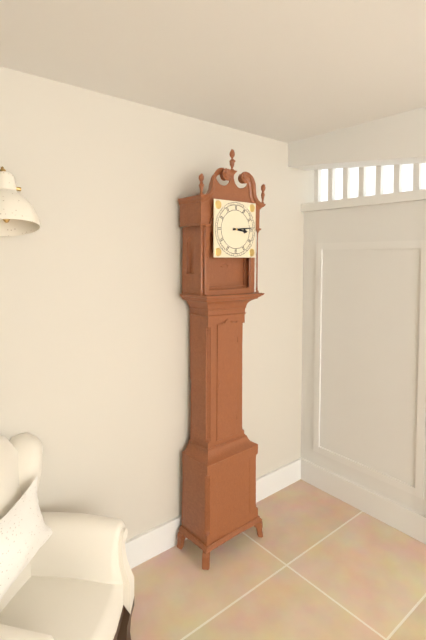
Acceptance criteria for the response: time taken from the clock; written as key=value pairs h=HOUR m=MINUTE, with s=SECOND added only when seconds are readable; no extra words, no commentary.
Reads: h=3 m=14
